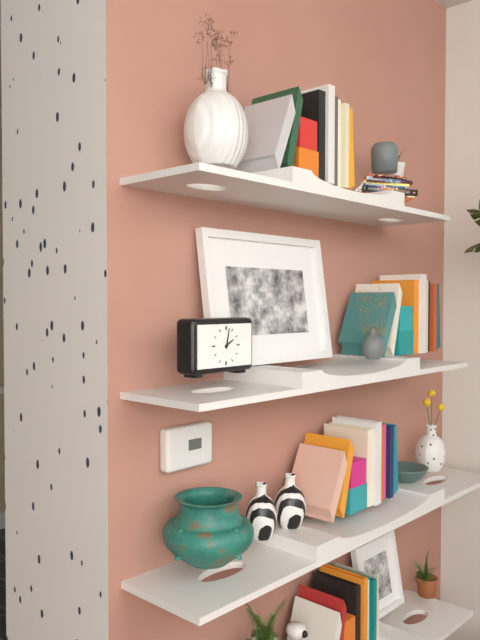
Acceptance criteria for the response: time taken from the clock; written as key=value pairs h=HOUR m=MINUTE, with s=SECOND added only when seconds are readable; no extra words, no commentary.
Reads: h=2 m=2
